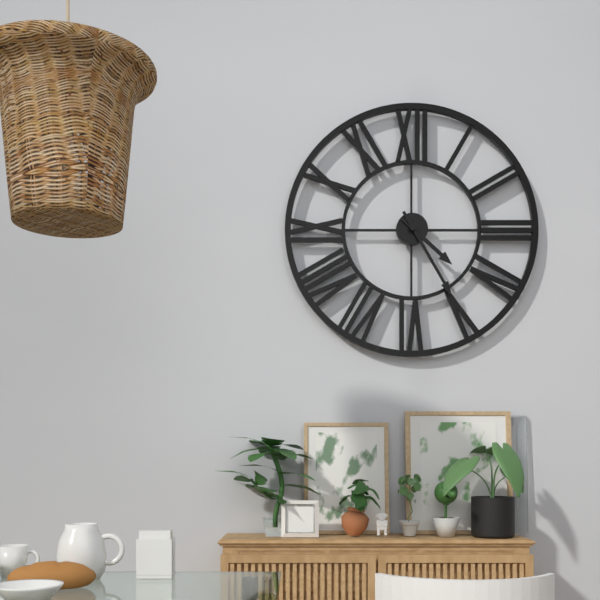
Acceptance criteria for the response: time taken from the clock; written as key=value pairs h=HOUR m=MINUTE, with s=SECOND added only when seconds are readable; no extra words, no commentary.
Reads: h=4 m=25
